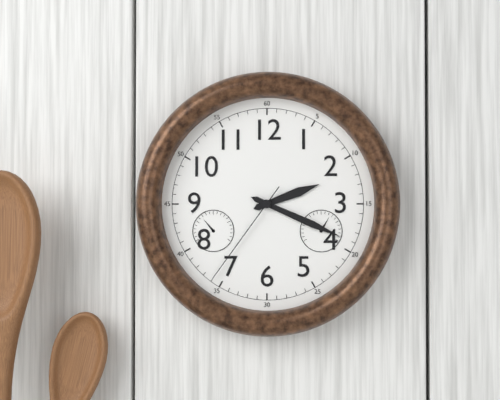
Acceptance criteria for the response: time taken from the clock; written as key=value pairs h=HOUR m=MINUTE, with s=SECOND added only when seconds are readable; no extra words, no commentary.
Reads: h=2 m=19 s=36
